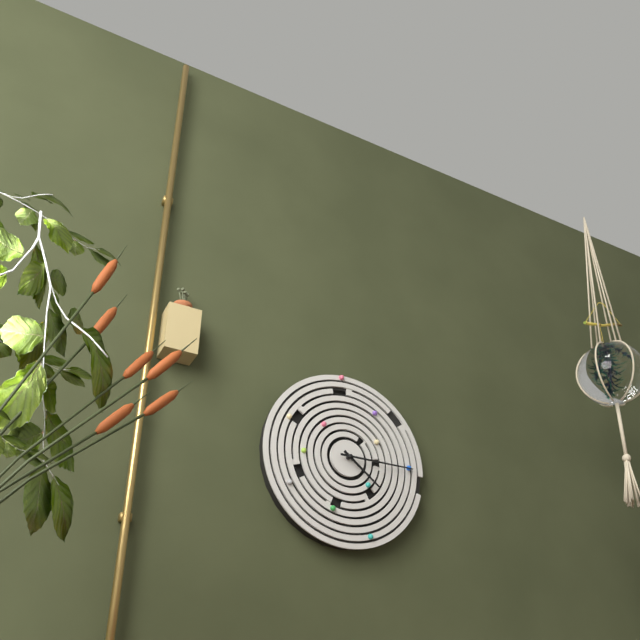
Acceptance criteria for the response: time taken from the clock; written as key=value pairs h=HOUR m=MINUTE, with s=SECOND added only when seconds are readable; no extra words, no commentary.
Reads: h=4 m=15
